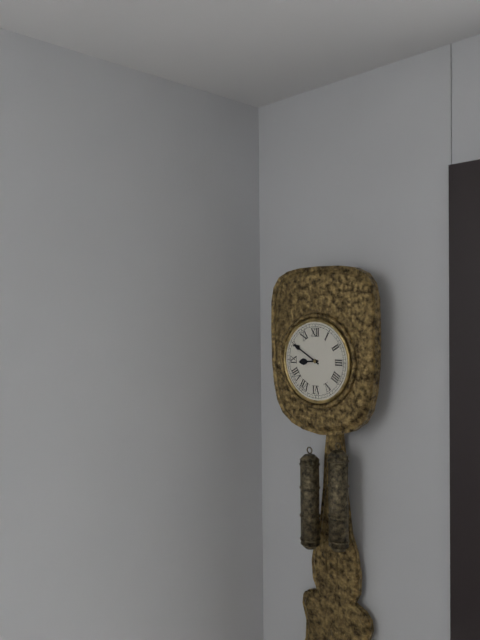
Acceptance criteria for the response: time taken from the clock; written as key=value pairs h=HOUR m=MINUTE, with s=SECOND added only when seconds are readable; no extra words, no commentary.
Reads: h=8 m=50
